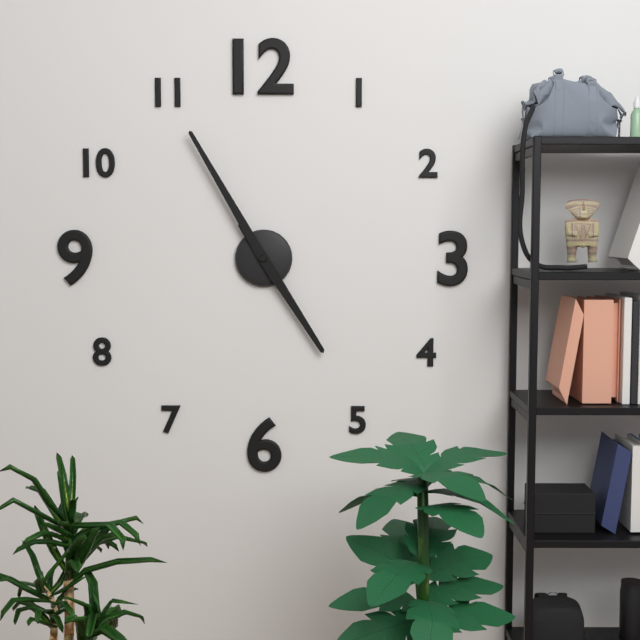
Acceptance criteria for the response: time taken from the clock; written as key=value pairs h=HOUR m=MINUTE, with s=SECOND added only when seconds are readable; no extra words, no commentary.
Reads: h=4 m=55
